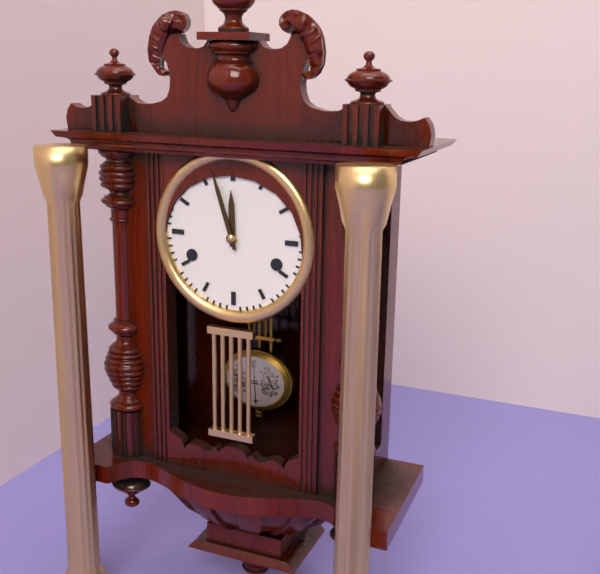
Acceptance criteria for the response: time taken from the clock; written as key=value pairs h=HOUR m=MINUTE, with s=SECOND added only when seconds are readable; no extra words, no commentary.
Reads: h=11 m=57
